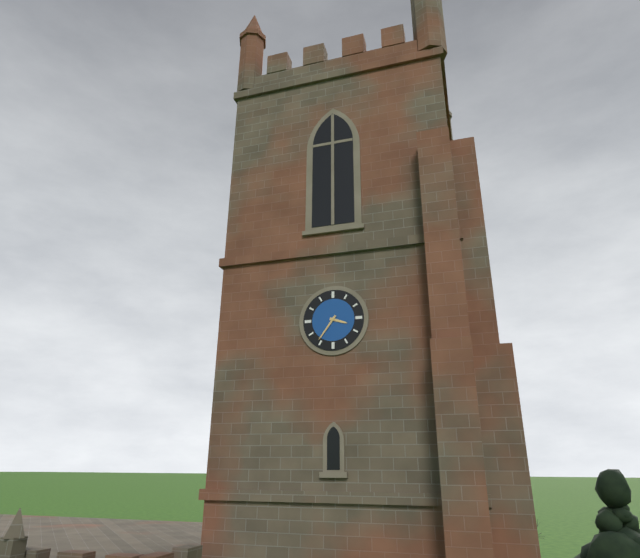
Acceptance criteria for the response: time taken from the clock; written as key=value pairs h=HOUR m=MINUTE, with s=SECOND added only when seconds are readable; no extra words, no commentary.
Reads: h=3 m=36
